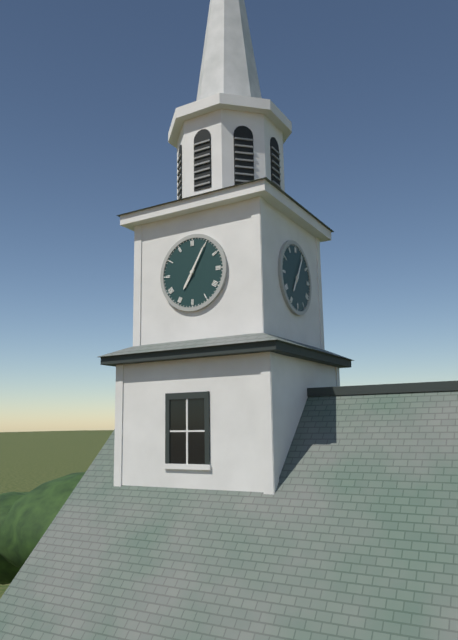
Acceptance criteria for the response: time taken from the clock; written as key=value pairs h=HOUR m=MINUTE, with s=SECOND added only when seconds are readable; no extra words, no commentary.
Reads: h=7 m=5
